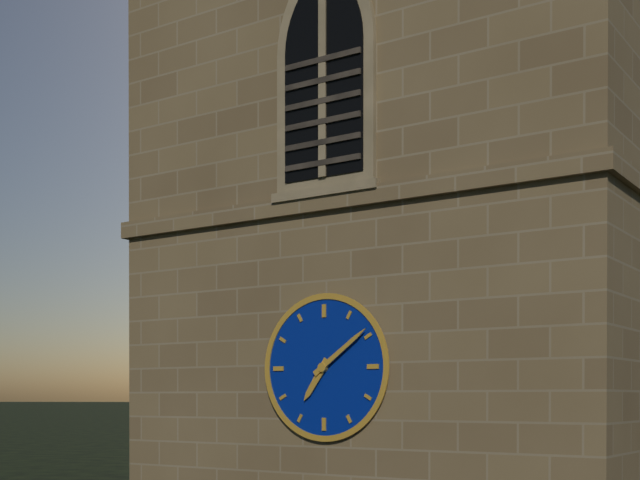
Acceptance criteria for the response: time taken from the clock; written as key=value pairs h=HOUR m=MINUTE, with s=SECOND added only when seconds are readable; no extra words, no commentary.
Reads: h=7 m=9
